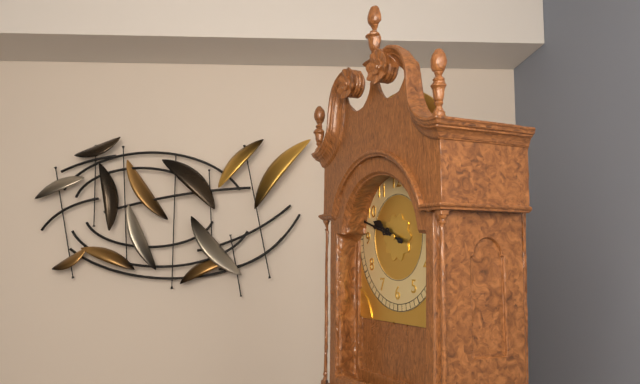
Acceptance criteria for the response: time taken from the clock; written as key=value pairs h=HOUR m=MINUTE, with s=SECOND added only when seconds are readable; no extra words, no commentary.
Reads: h=9 m=48
